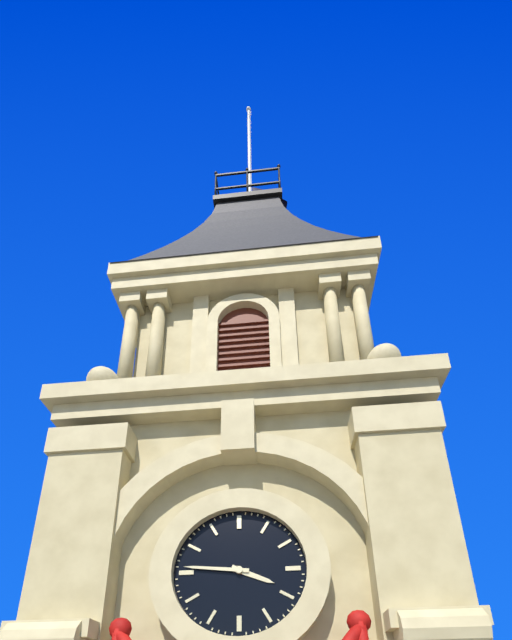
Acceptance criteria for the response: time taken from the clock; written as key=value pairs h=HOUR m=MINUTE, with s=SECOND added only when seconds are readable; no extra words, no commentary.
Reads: h=3 m=46
